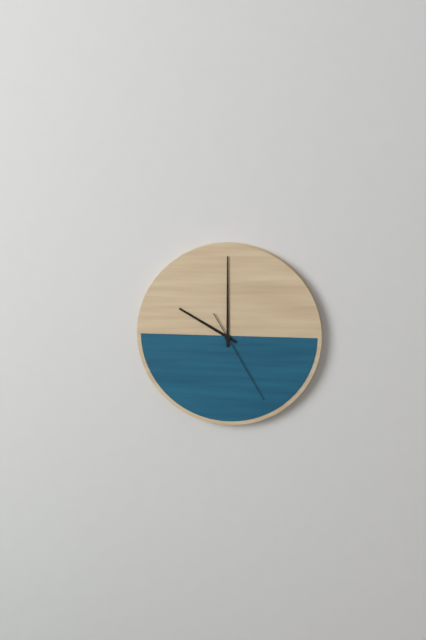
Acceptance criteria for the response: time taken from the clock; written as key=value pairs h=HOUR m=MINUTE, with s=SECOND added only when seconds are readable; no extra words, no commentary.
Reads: h=10 m=0 s=25
